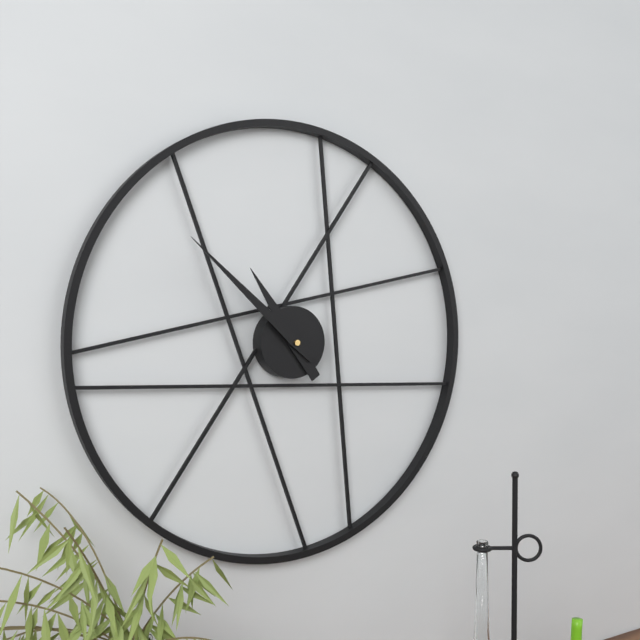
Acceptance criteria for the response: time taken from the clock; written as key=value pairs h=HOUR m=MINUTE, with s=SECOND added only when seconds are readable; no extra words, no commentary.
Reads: h=10 m=52
